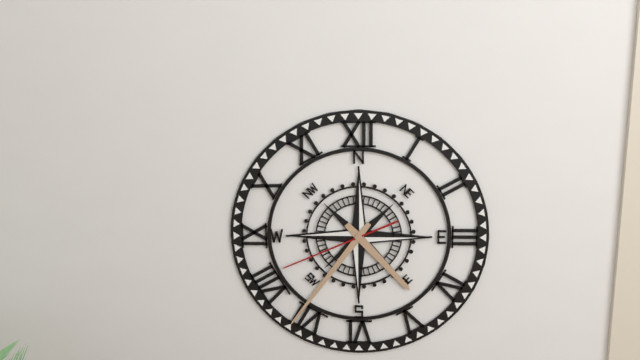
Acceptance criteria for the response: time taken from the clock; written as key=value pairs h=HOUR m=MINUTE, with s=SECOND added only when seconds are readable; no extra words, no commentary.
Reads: h=4 m=36 s=41
